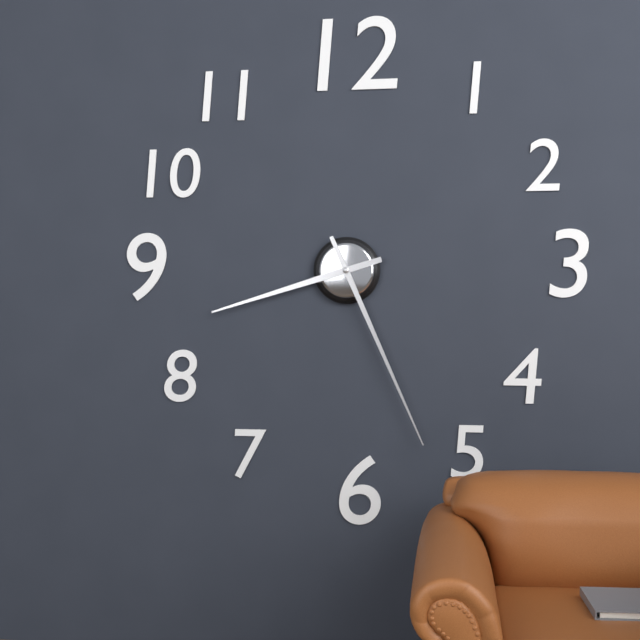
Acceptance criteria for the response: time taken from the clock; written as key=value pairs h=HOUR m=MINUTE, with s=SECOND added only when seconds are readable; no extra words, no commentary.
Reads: h=8 m=26
